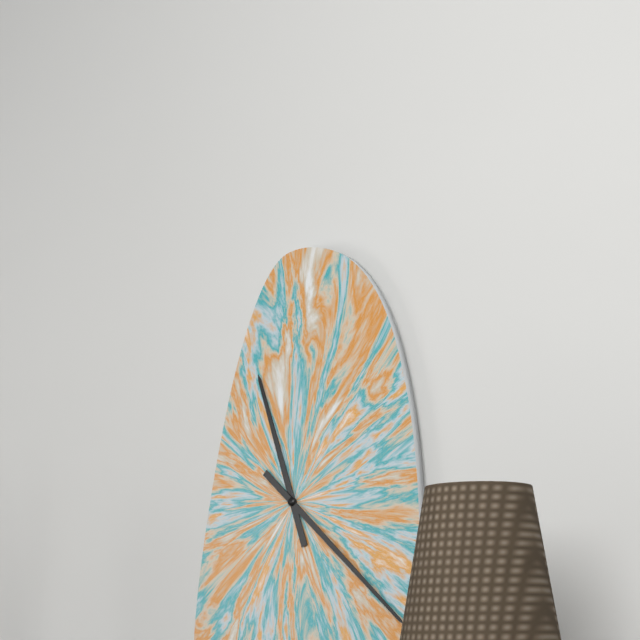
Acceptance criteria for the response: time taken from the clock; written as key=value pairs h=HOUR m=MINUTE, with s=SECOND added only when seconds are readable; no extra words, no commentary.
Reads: h=11 m=22
